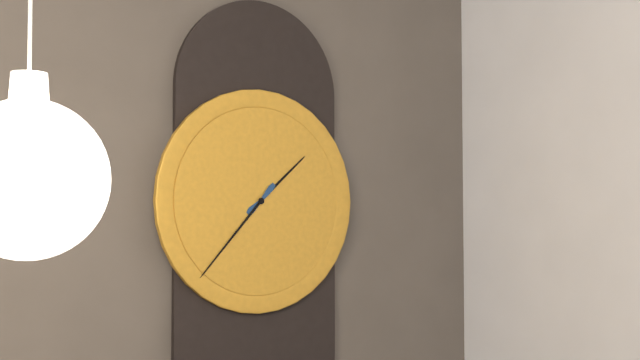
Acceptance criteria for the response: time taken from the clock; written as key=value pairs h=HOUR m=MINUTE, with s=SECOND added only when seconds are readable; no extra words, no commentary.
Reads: h=1 m=37
